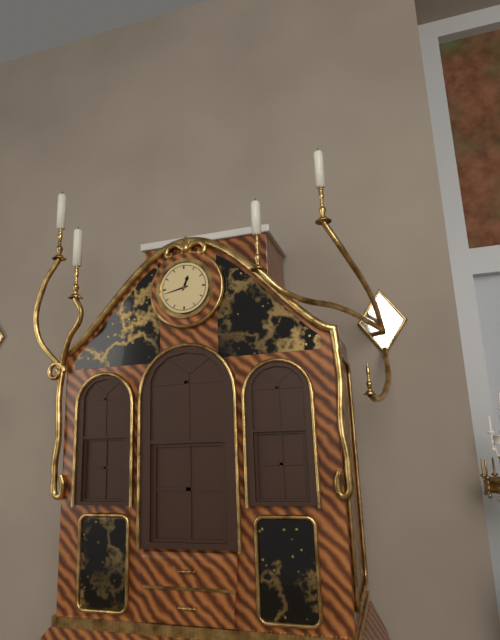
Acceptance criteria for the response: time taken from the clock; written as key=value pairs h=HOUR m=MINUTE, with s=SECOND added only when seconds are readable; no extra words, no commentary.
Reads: h=12 m=43
